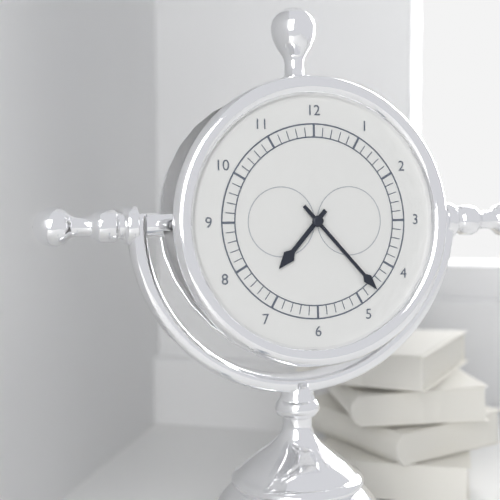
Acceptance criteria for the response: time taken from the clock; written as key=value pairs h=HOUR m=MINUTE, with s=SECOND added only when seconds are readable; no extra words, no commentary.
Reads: h=7 m=23
